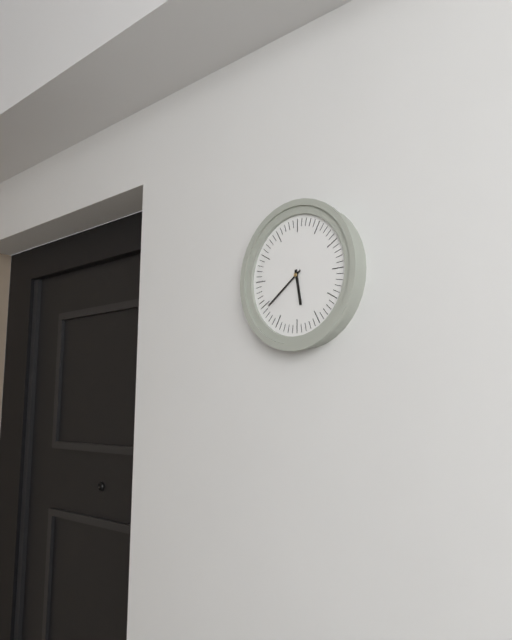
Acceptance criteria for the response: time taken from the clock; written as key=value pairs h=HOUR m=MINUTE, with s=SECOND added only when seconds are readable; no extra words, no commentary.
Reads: h=5 m=39
